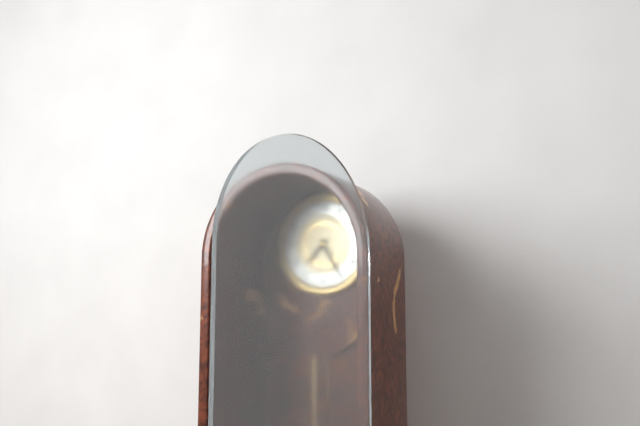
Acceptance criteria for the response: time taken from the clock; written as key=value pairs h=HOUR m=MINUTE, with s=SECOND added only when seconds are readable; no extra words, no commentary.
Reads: h=7 m=25
